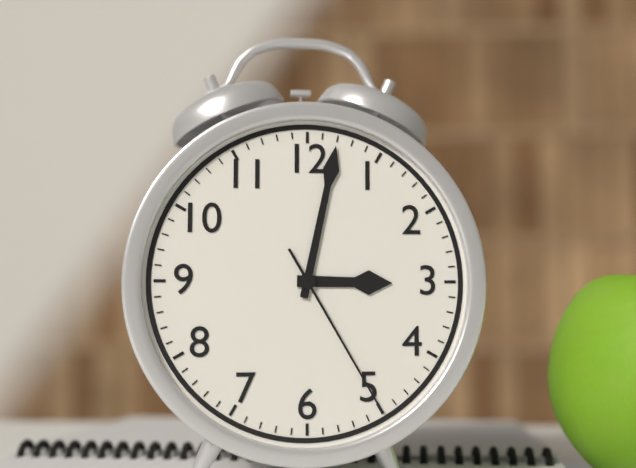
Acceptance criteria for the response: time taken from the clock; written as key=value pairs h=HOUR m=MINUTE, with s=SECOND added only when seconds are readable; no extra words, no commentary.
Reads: h=3 m=2 s=25
